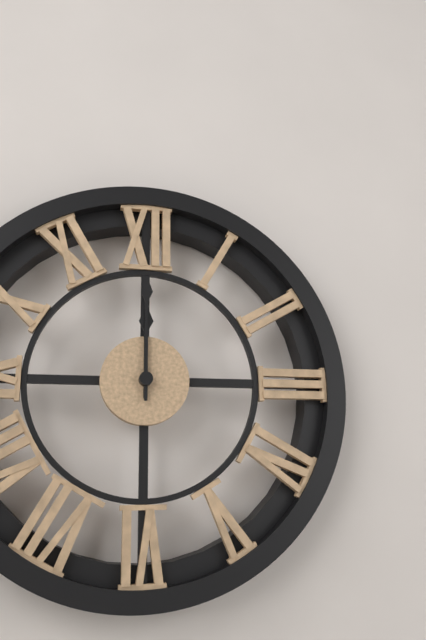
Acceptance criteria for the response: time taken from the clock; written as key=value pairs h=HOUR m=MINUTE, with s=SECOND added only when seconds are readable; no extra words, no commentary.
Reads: h=12 m=0
